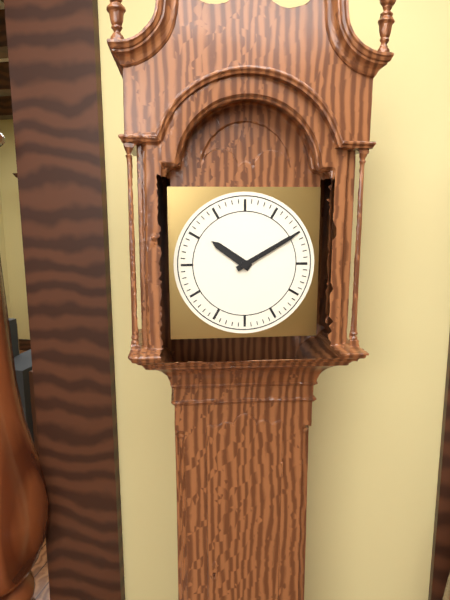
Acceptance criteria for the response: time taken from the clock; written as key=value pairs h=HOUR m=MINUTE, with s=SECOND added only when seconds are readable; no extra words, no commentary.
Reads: h=10 m=10
